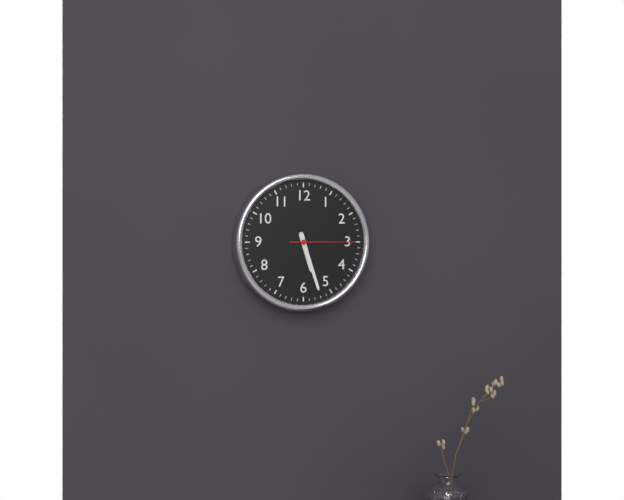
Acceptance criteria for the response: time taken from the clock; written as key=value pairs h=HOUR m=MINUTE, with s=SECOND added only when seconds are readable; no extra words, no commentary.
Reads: h=5 m=27 s=15
